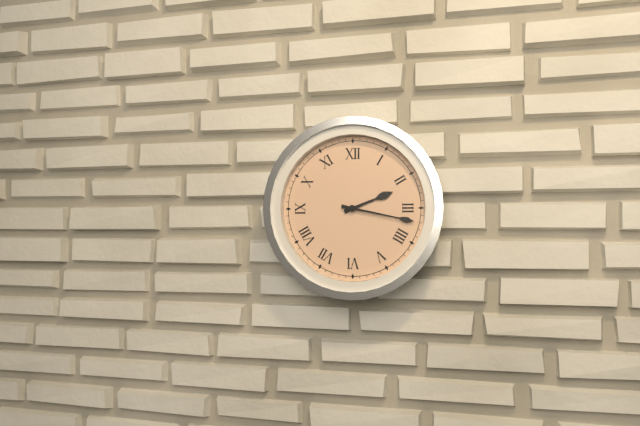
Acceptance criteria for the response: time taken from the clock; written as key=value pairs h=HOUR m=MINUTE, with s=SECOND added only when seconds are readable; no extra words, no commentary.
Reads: h=2 m=17
